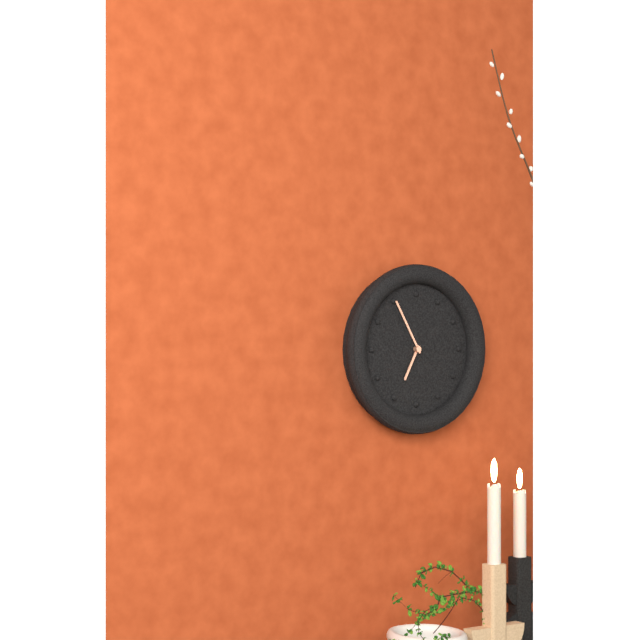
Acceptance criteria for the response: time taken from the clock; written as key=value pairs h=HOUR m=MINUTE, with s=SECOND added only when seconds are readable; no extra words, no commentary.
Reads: h=6 m=55
